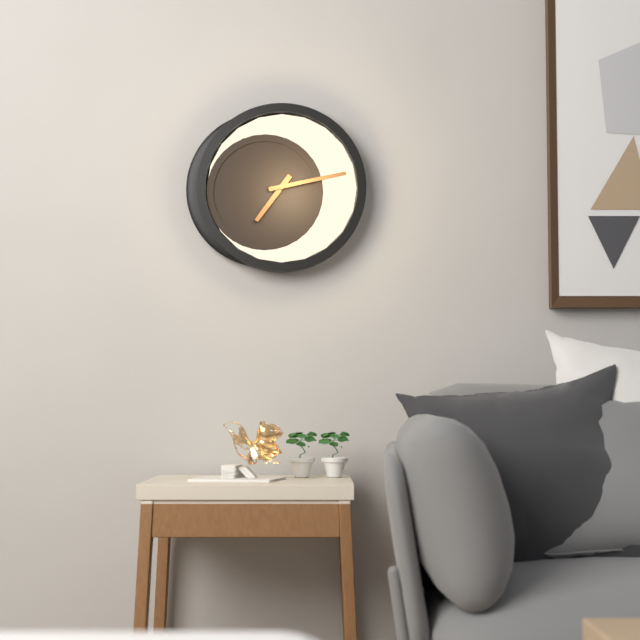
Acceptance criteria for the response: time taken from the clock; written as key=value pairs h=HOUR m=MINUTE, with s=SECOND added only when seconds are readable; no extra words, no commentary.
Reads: h=7 m=13
